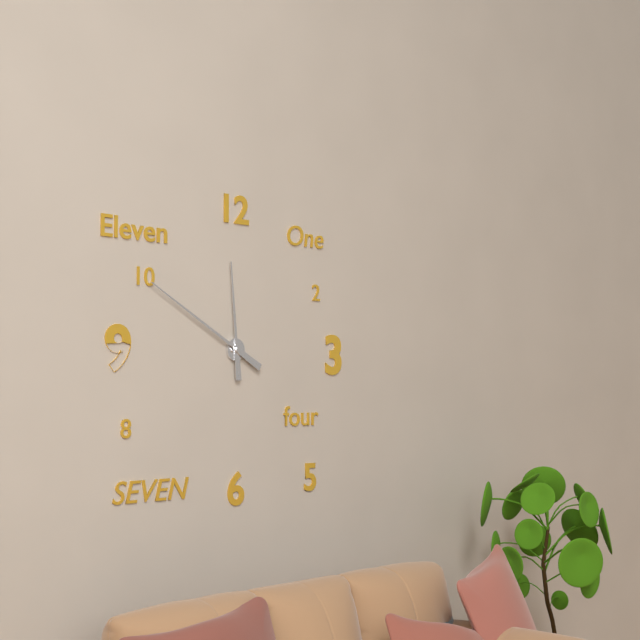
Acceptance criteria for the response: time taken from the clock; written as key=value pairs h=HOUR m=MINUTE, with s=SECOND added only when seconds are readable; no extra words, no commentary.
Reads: h=11 m=50
